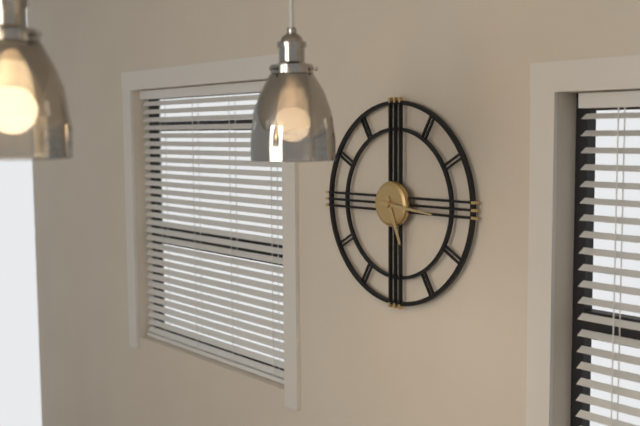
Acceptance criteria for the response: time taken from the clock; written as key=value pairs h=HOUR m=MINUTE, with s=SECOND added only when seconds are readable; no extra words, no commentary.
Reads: h=5 m=16
